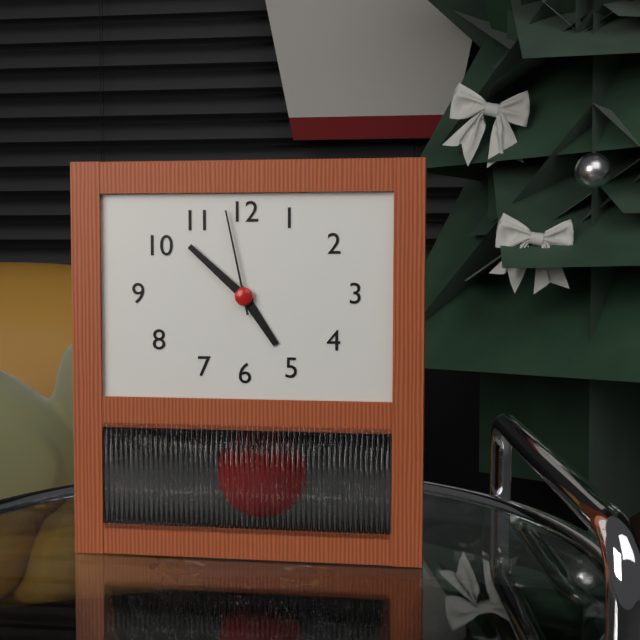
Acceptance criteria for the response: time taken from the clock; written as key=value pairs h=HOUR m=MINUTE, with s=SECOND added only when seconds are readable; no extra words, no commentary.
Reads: h=4 m=52 s=58
